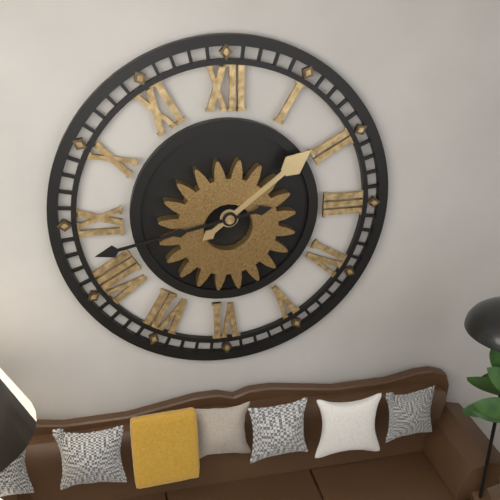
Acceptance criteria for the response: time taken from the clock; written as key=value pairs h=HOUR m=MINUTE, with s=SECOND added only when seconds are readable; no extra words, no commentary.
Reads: h=1 m=43
